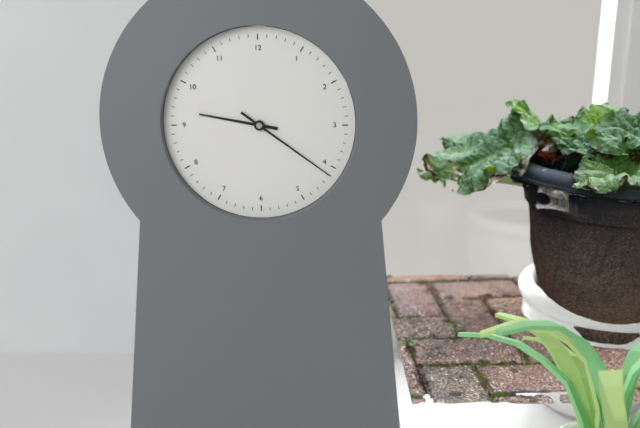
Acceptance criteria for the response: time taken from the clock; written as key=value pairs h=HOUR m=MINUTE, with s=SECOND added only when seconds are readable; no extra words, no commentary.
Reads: h=9 m=21
